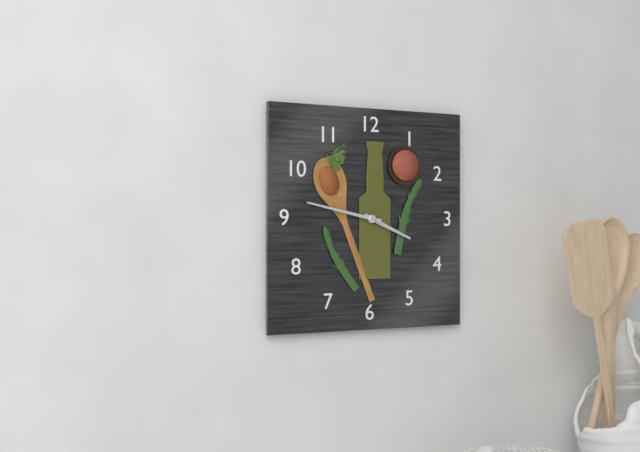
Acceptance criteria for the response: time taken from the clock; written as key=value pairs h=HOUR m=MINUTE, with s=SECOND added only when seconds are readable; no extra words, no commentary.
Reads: h=3 m=47
